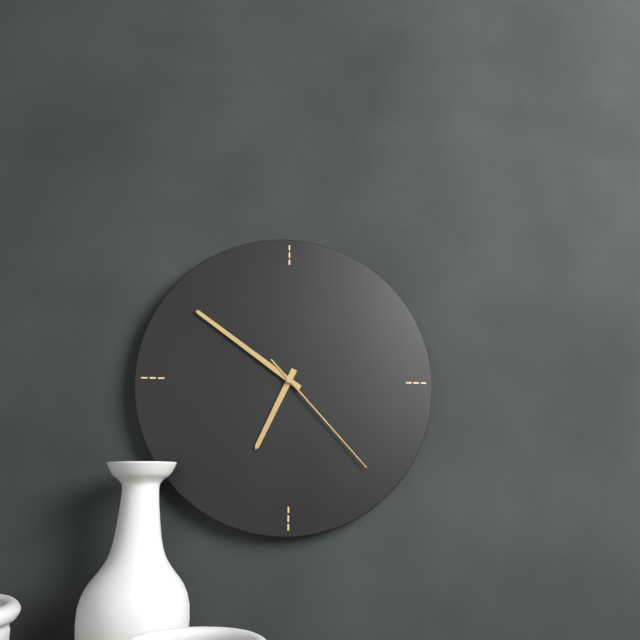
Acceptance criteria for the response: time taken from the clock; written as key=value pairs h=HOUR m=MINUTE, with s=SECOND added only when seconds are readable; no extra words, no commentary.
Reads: h=6 m=51 s=23
